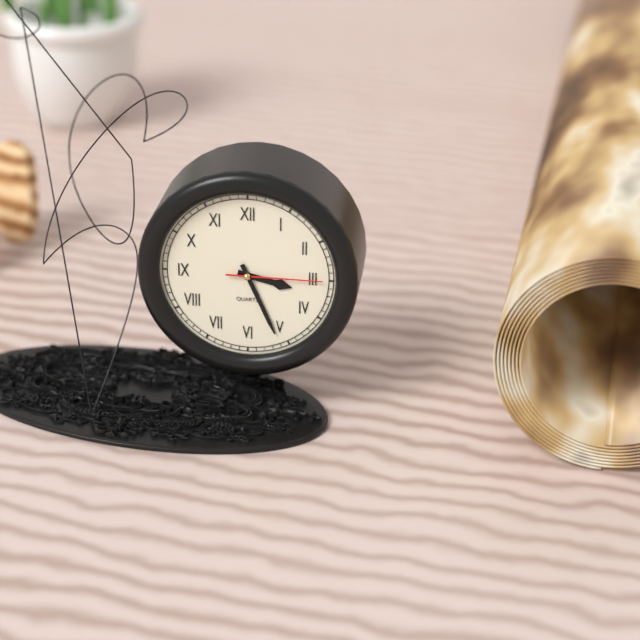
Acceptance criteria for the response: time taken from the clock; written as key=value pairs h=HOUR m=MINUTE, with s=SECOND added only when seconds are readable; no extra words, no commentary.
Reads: h=3 m=26 s=15
